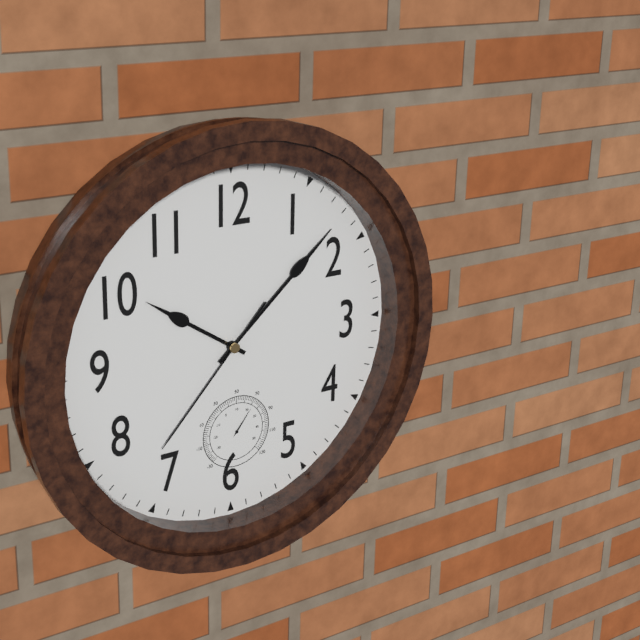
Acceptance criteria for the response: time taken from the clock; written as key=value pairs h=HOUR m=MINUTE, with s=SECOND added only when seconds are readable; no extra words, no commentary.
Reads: h=10 m=8 s=37
